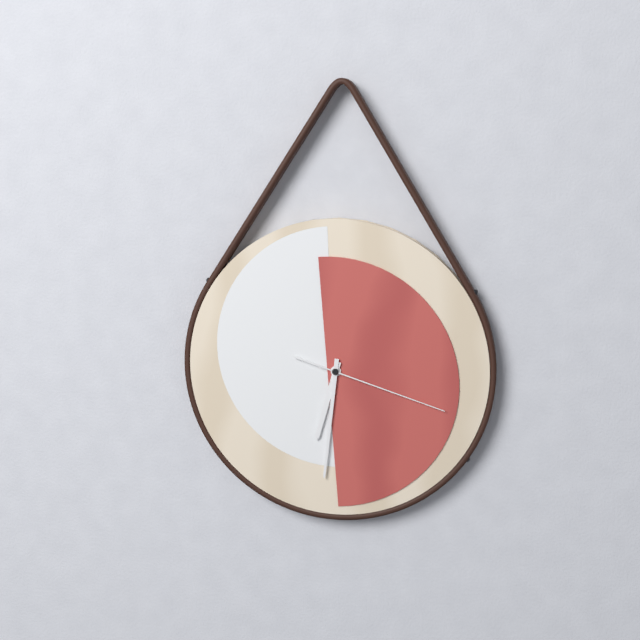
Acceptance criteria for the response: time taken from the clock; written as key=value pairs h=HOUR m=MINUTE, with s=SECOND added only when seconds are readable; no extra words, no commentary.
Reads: h=6 m=31 s=18
